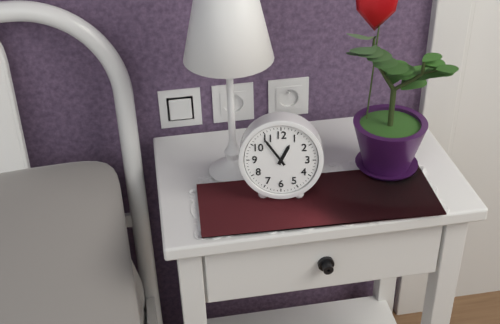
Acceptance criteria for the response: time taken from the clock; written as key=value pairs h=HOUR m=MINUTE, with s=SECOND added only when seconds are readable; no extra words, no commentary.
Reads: h=12 m=54
